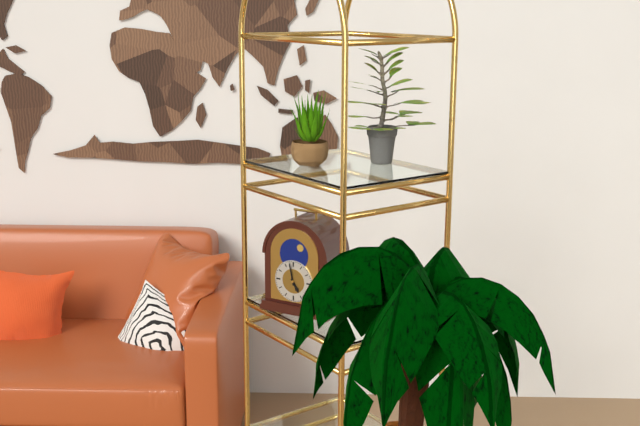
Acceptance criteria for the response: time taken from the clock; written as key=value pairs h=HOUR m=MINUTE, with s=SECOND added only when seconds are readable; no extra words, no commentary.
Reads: h=4 m=58
